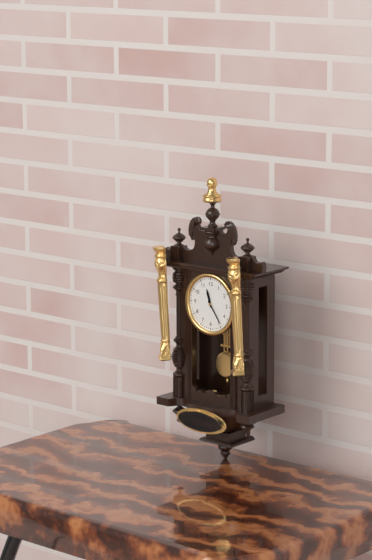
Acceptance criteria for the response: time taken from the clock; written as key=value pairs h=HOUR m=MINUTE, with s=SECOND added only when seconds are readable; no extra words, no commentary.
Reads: h=11 m=24
